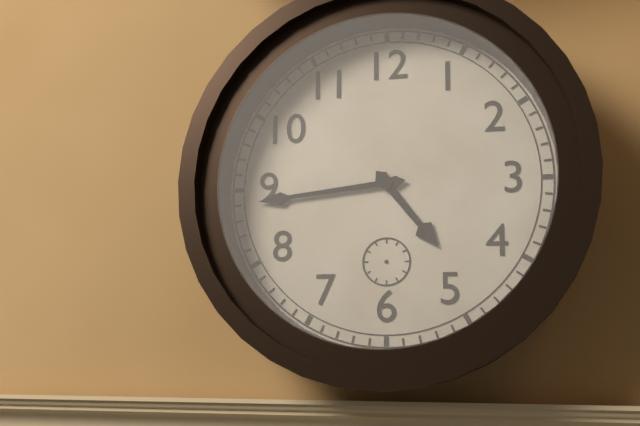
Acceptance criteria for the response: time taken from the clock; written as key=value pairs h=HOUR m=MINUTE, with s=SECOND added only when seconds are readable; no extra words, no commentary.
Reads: h=4 m=44
